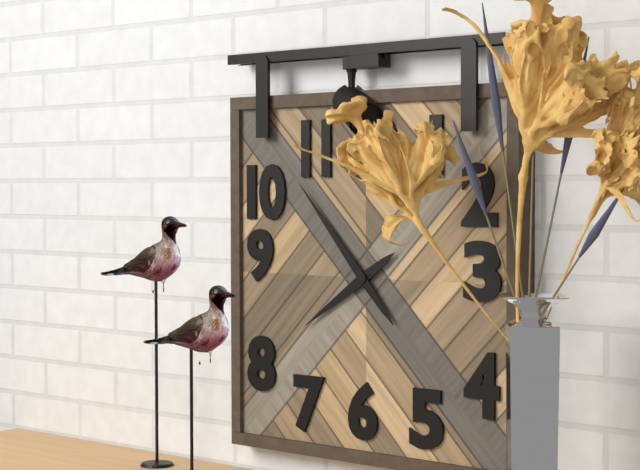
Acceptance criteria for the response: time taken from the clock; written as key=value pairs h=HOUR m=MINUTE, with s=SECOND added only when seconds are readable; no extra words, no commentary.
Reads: h=7 m=53
